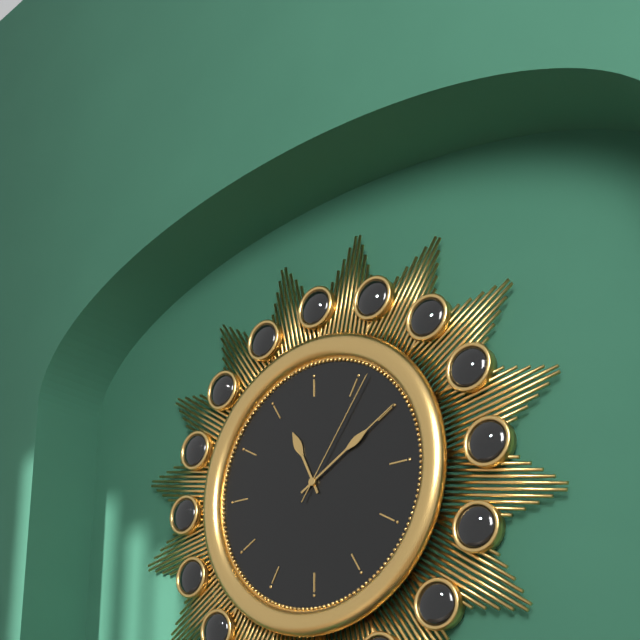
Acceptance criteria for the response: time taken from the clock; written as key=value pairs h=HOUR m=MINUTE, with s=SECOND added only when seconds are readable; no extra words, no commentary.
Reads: h=11 m=10 s=6
